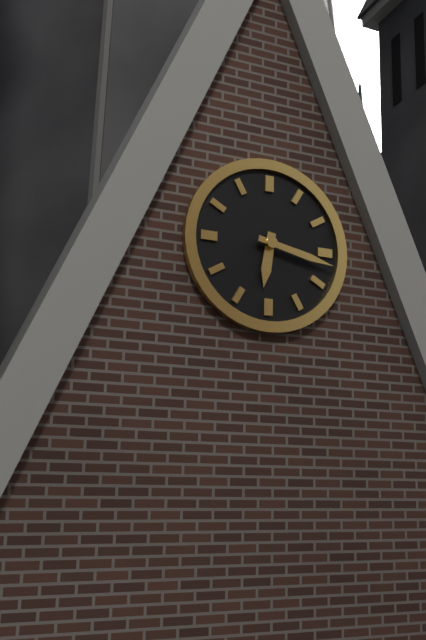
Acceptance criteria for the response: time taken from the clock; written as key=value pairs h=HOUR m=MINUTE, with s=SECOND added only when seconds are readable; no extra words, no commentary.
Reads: h=6 m=17
